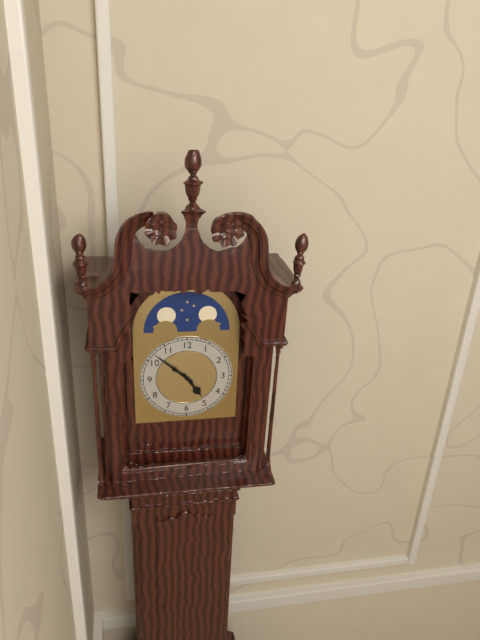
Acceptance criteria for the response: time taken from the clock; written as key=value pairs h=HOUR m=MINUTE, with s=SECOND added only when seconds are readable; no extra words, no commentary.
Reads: h=4 m=52
